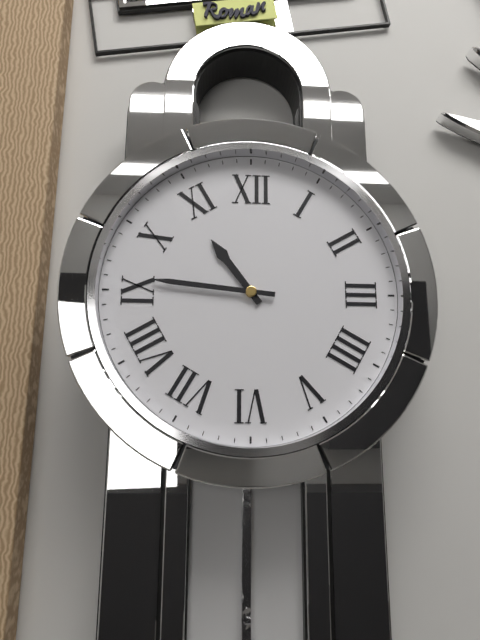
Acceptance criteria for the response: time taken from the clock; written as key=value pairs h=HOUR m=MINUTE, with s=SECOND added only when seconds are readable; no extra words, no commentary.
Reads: h=10 m=46
